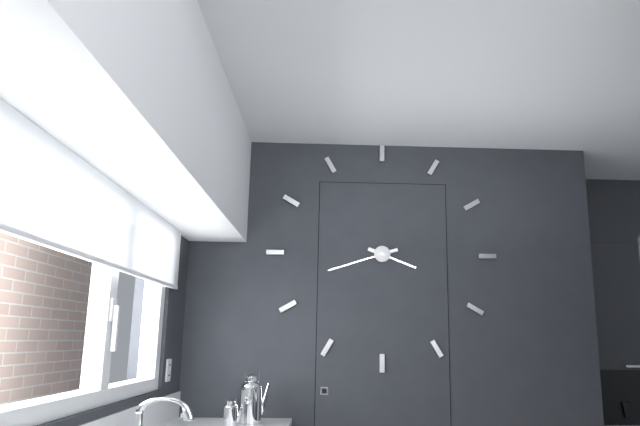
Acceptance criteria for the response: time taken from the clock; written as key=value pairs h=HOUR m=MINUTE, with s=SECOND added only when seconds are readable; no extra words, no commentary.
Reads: h=3 m=42
